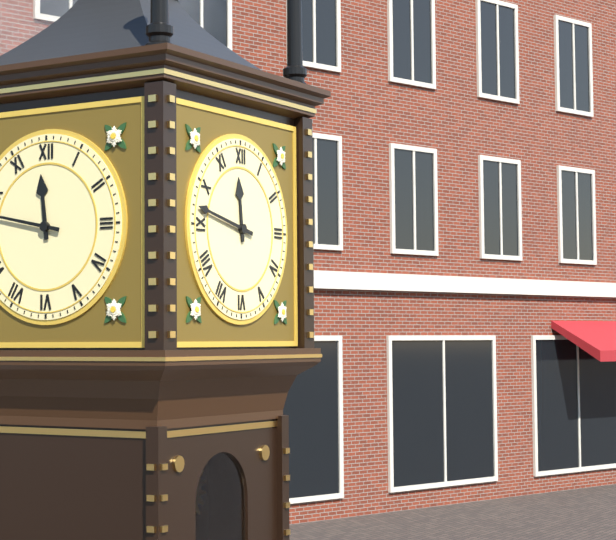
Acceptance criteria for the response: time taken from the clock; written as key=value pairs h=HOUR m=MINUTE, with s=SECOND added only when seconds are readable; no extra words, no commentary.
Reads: h=11 m=47
